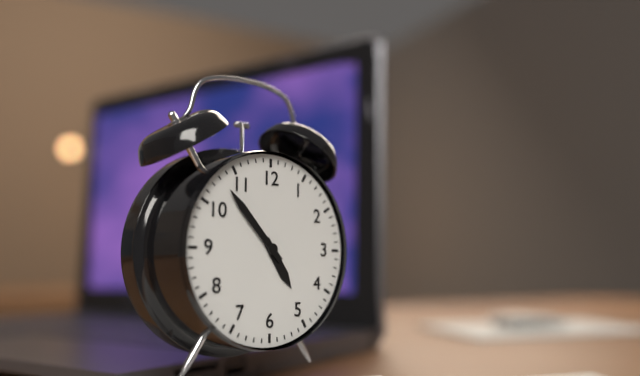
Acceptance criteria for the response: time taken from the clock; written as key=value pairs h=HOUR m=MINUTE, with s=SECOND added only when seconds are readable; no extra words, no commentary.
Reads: h=4 m=53
